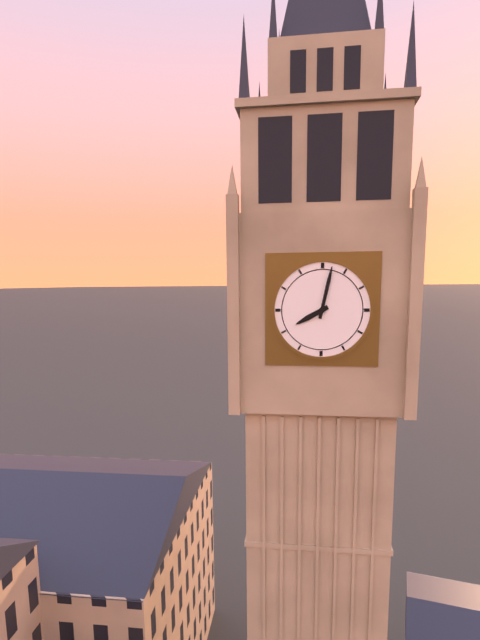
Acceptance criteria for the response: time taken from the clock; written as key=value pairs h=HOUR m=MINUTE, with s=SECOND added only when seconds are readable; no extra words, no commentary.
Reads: h=8 m=2
